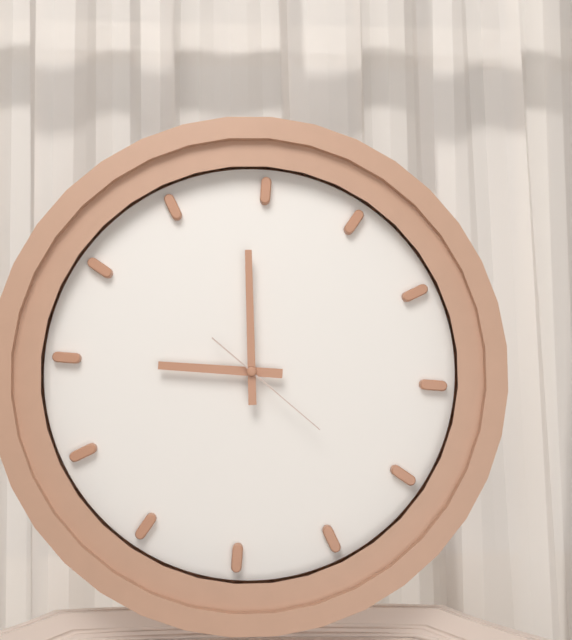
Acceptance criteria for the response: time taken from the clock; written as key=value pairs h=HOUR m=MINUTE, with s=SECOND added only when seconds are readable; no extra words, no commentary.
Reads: h=8 m=59 s=21
